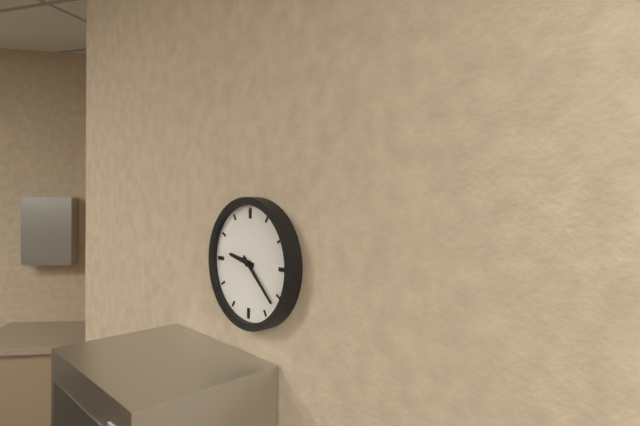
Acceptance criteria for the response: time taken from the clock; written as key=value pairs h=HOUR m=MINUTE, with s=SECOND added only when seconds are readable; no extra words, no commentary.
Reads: h=9 m=22
